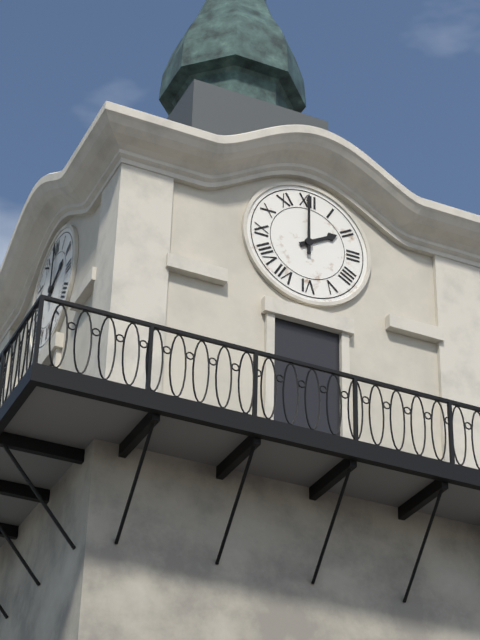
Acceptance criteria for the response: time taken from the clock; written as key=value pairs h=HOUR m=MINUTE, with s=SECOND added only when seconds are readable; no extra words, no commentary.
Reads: h=2 m=0
